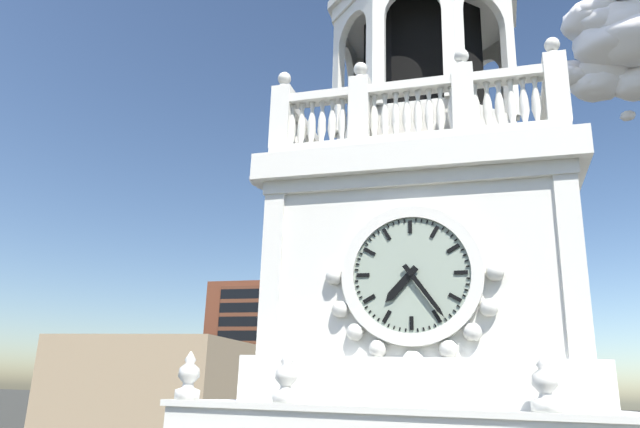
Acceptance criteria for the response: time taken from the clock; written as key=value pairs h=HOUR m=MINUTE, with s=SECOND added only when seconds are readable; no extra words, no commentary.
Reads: h=7 m=24
